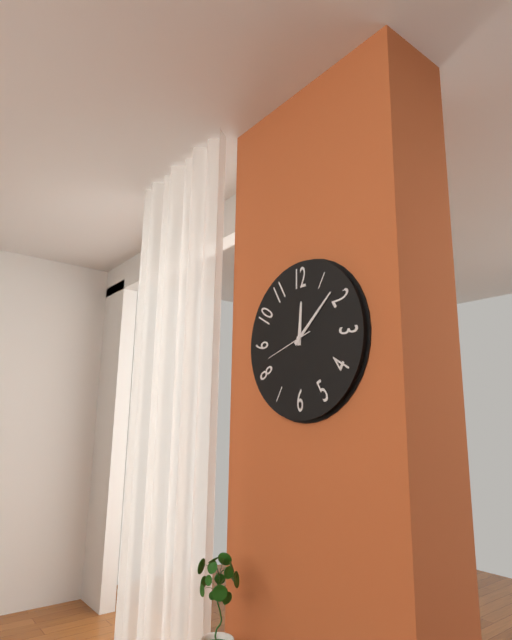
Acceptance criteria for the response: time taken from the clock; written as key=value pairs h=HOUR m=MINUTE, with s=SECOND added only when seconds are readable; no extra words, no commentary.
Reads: h=12 m=8
